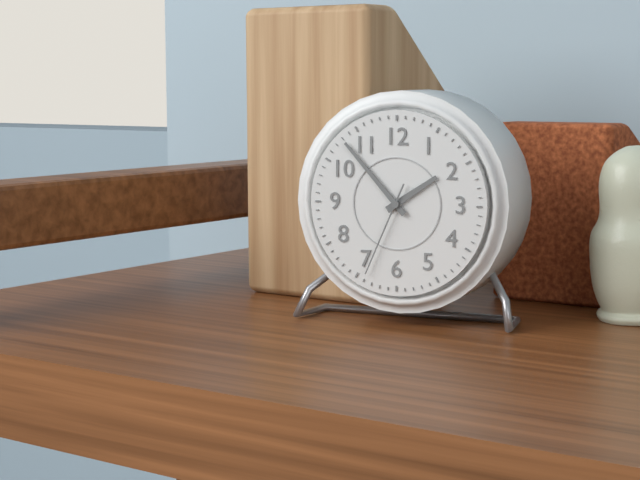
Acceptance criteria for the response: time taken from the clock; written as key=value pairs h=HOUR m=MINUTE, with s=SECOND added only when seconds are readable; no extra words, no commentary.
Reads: h=1 m=53 s=34
